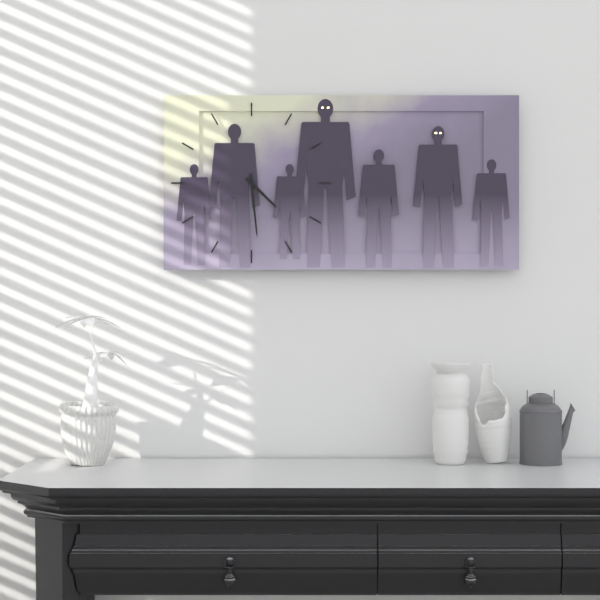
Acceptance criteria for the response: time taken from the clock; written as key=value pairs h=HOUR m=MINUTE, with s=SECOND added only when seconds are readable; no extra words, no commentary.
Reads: h=4 m=29
